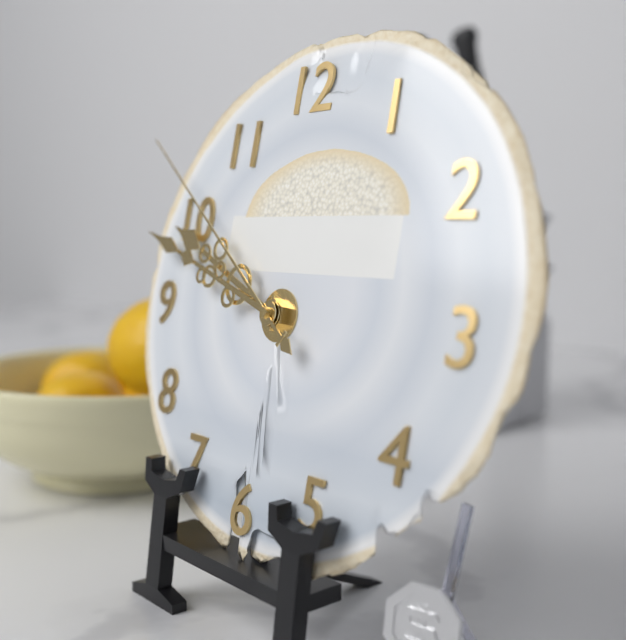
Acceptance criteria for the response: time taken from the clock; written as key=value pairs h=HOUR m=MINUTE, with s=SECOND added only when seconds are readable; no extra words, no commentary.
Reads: h=9 m=48 s=51
